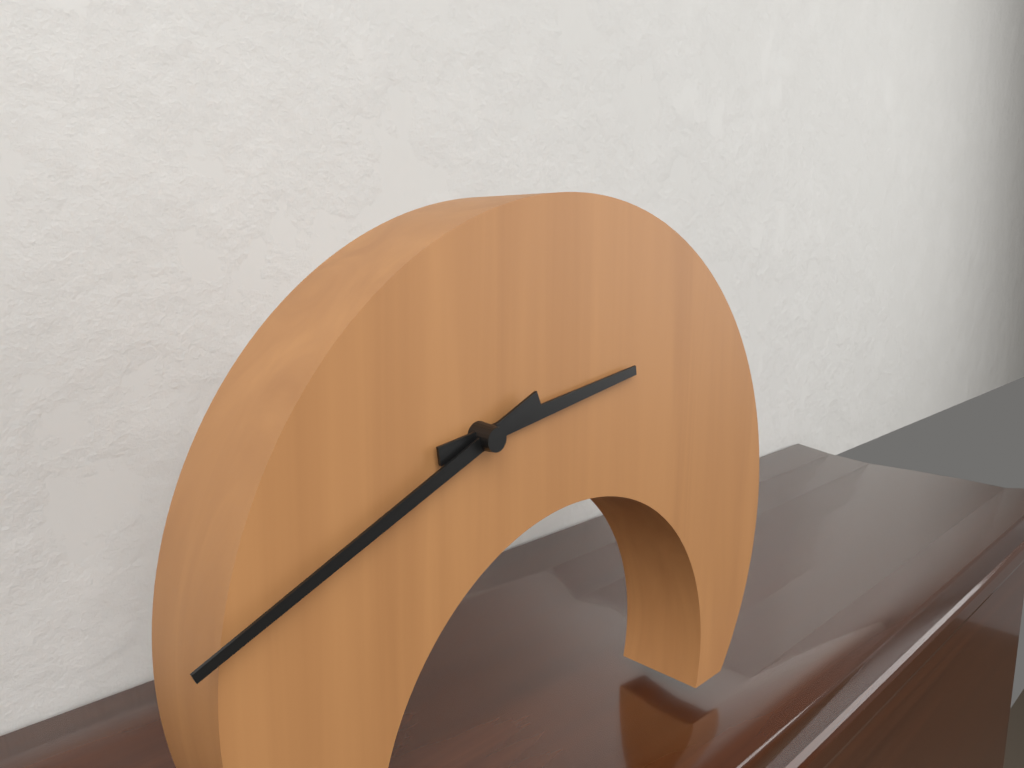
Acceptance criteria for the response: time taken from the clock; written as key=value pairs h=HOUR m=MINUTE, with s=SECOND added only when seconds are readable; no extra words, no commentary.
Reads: h=2 m=41
